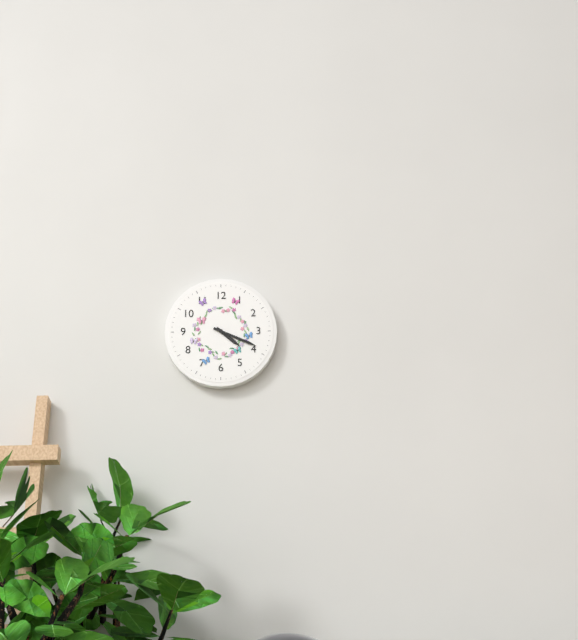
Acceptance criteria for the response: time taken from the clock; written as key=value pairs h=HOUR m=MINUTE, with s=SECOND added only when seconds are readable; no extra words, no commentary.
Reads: h=4 m=19
